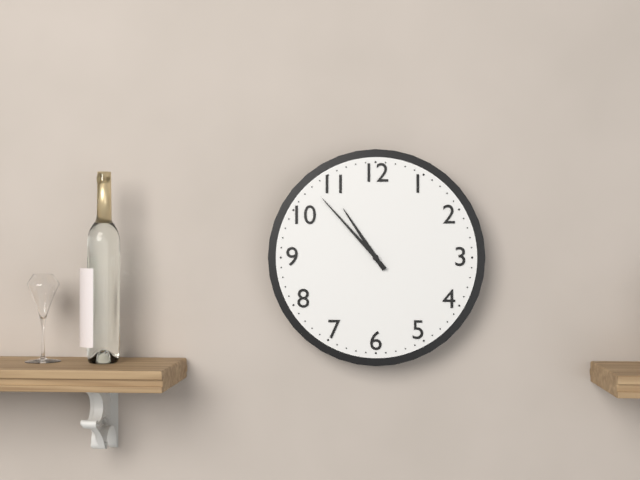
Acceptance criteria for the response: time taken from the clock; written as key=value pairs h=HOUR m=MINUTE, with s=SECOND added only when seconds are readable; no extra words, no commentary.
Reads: h=10 m=53
